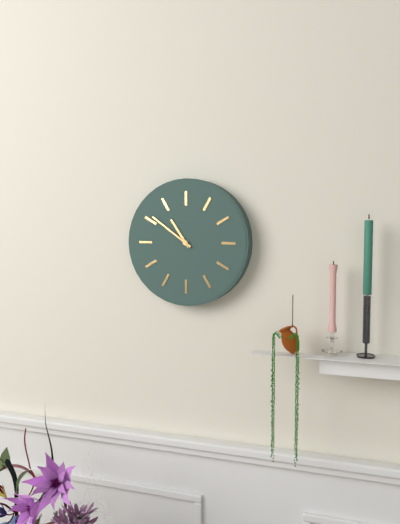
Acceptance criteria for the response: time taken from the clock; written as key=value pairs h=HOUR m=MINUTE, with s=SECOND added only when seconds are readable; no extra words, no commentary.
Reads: h=10 m=51
